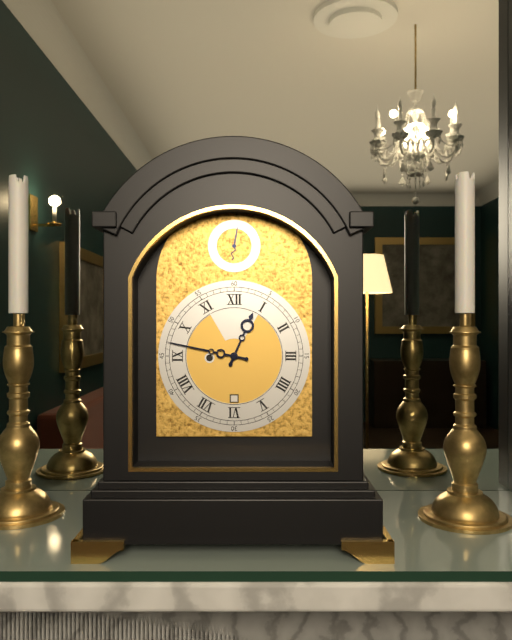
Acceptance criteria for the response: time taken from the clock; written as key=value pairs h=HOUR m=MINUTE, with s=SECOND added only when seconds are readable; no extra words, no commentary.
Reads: h=12 m=47
